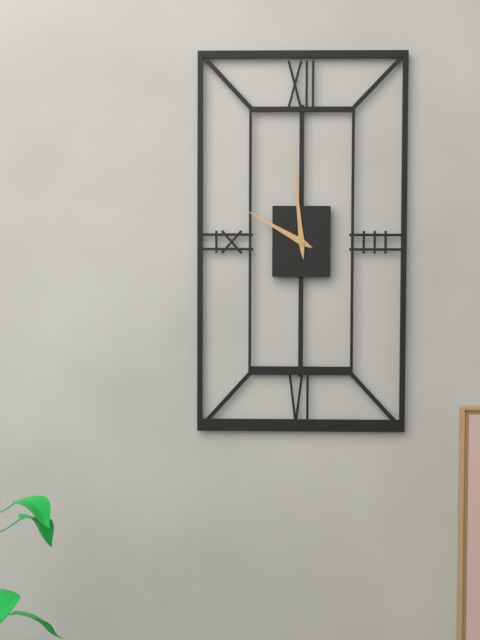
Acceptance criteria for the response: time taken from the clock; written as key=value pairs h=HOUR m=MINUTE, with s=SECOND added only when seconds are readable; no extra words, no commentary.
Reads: h=9 m=59
